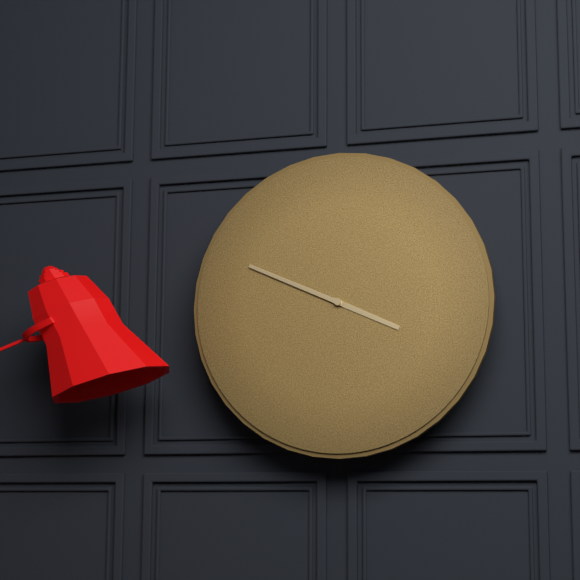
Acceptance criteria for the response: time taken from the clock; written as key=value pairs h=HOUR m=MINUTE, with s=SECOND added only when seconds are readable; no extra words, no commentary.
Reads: h=3 m=49
